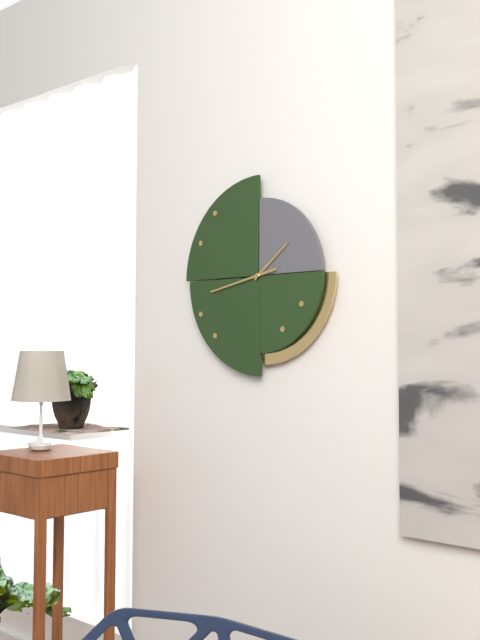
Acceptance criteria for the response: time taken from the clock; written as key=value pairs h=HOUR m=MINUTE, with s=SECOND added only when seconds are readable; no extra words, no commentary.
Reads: h=1 m=43
